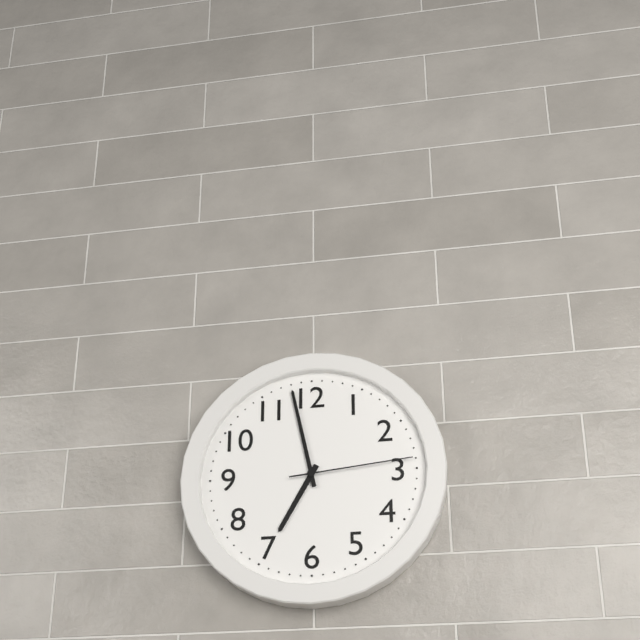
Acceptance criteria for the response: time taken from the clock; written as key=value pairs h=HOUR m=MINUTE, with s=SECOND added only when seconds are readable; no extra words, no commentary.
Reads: h=6 m=58 s=14
